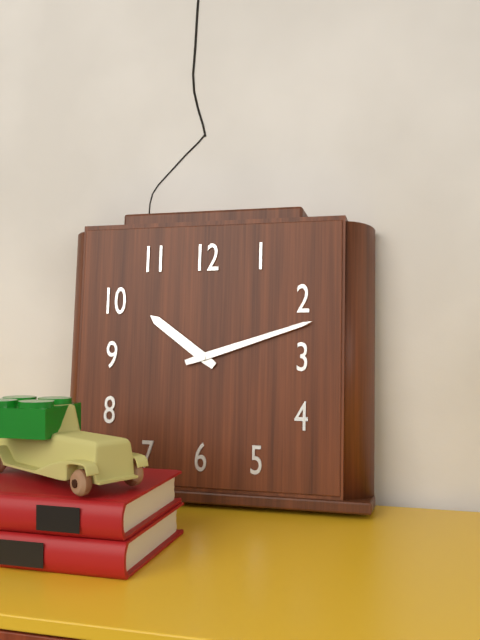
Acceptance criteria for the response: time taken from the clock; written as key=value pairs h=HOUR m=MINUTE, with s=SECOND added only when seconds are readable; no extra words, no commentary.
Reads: h=10 m=12
